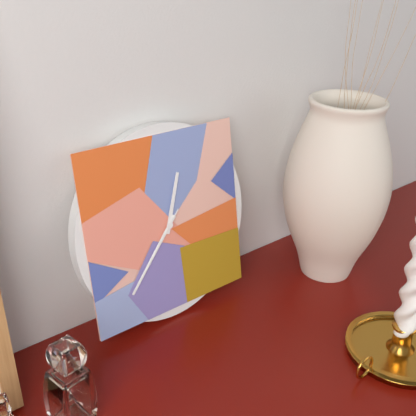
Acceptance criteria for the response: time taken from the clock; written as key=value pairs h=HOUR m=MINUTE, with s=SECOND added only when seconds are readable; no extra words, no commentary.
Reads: h=12 m=37 s=37
